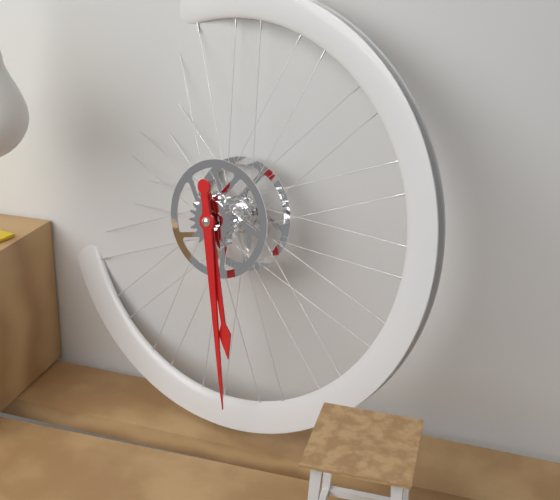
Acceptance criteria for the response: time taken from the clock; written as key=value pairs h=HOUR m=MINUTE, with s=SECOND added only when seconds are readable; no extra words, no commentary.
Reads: h=5 m=28
